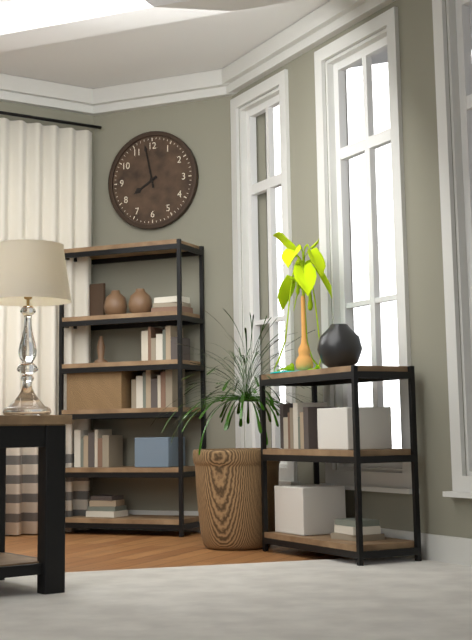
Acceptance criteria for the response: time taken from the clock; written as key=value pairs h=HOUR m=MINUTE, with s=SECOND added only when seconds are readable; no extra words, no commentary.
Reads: h=7 m=58
